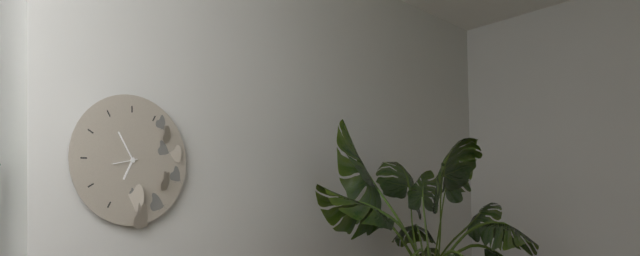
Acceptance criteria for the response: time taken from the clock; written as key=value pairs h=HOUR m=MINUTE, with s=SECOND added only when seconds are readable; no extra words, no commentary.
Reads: h=6 m=55
